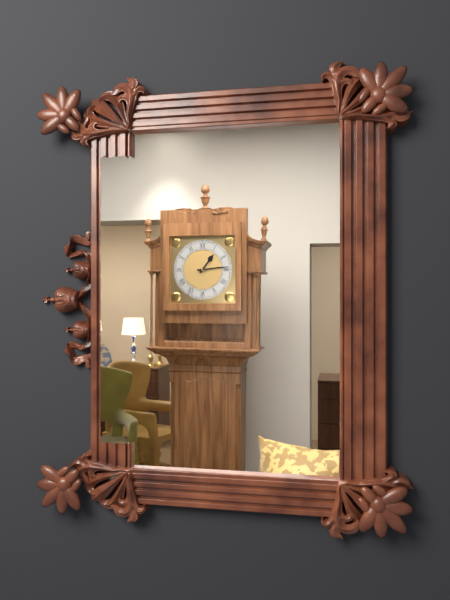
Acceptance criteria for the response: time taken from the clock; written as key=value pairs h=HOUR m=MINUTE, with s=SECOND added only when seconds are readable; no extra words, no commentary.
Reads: h=1 m=14
